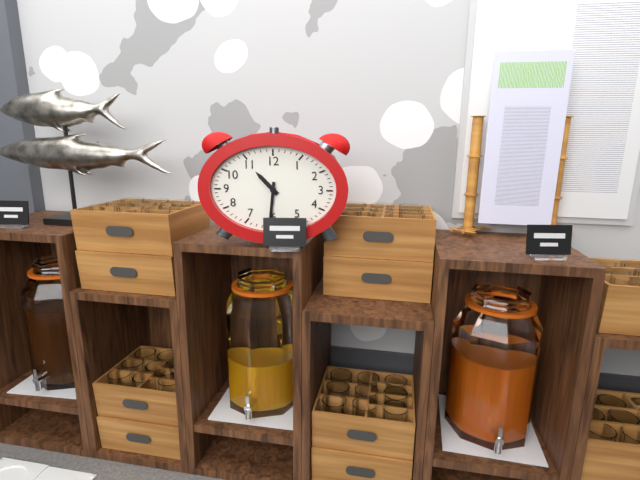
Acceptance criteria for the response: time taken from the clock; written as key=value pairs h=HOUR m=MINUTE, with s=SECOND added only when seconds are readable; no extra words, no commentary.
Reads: h=10 m=31
